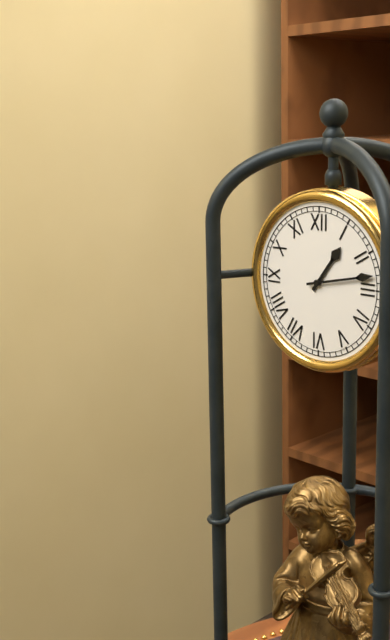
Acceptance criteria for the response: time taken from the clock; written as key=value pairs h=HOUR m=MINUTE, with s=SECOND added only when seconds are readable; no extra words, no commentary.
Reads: h=1 m=13
